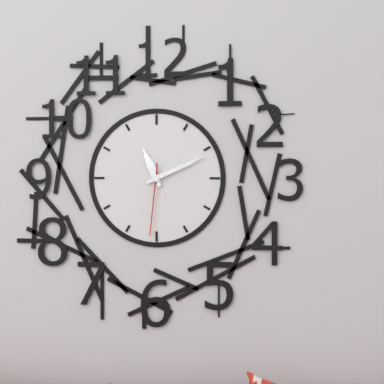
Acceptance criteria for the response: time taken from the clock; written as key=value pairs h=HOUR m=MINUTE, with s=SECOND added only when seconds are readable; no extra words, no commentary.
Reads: h=11 m=11 s=31
